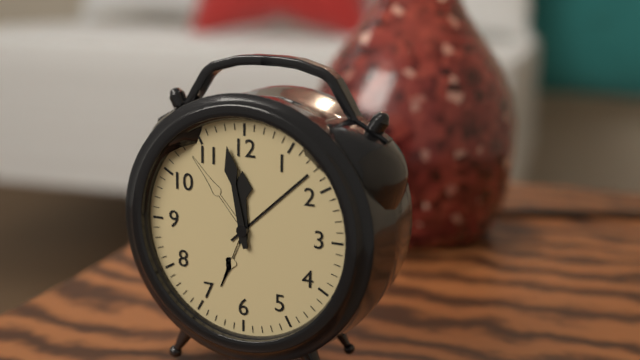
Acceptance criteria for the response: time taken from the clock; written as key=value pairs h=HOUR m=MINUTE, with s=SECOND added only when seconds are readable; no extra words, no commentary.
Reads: h=11 m=58
